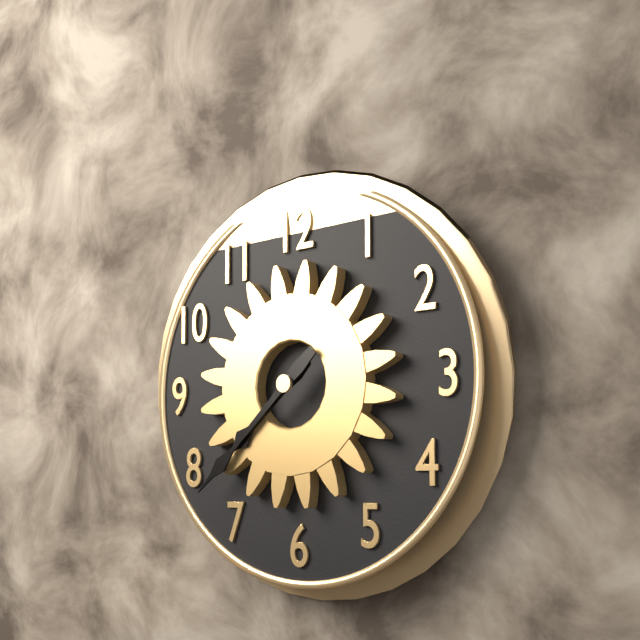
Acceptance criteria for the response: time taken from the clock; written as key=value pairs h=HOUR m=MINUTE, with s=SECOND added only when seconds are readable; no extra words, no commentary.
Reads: h=7 m=38
